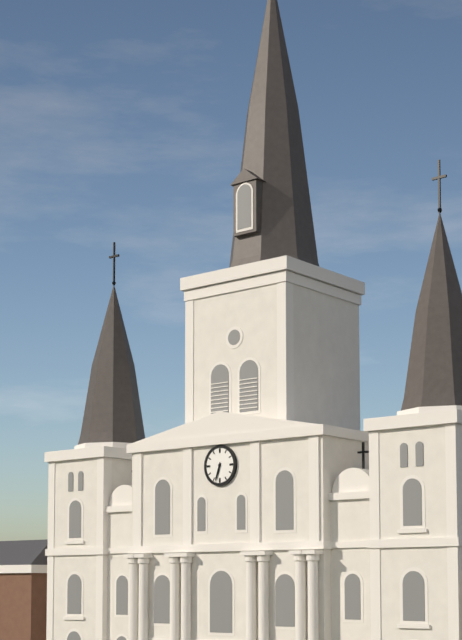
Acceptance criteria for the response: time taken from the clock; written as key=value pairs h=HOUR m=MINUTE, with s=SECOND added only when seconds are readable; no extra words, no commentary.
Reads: h=6 m=33
